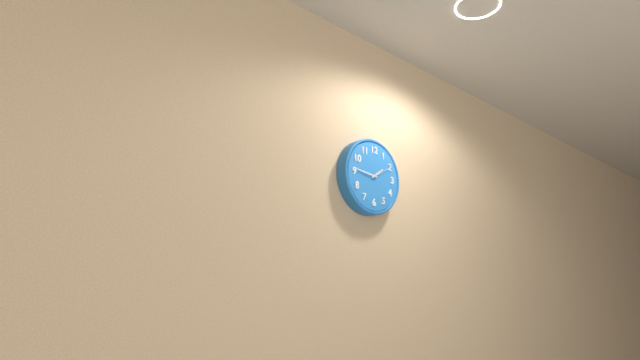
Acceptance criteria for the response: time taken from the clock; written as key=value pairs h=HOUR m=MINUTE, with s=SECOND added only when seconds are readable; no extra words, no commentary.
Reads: h=1 m=46
